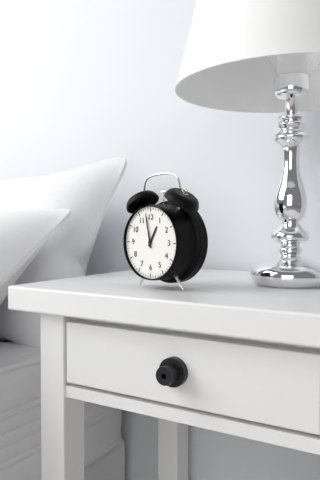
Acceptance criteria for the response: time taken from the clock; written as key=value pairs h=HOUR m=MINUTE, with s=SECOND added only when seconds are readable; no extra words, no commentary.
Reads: h=12 m=58
